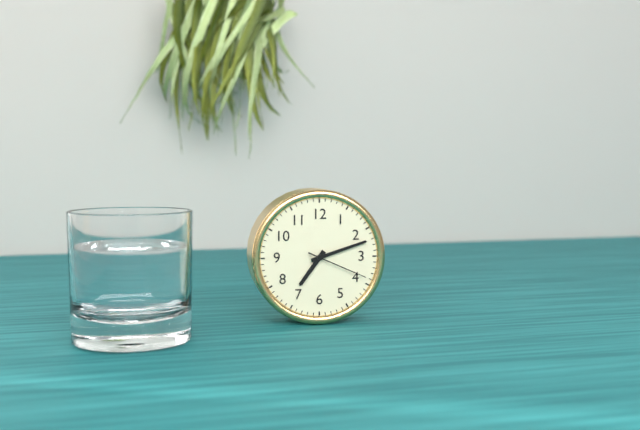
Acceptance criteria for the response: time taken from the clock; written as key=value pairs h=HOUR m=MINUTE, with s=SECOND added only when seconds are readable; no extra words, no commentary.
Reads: h=7 m=12 s=19
